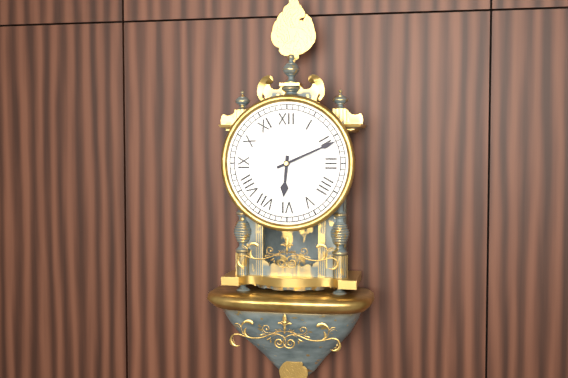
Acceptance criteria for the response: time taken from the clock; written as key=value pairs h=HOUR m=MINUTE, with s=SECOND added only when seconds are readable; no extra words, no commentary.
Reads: h=6 m=11
